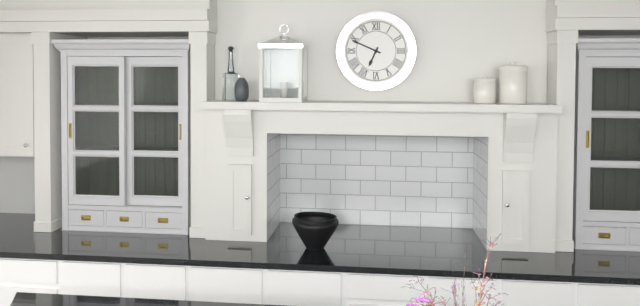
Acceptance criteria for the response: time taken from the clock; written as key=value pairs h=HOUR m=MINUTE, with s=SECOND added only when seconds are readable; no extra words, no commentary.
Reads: h=6 m=49
